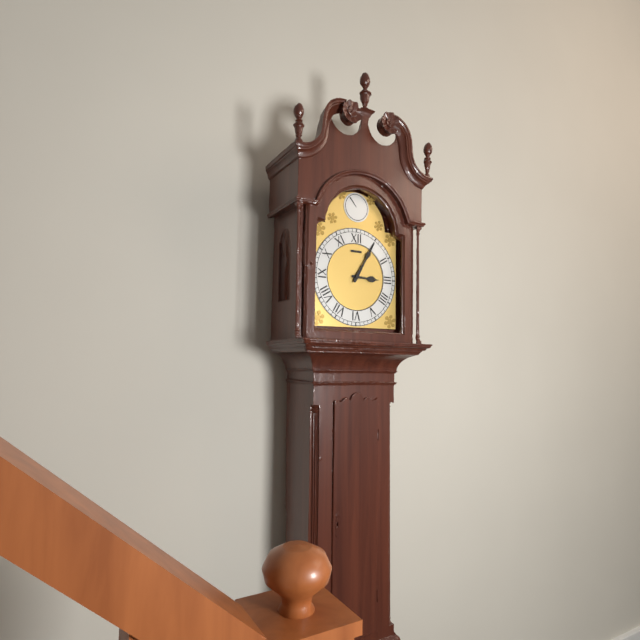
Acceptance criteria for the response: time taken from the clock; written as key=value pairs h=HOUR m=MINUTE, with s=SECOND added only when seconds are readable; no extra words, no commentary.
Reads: h=3 m=5
